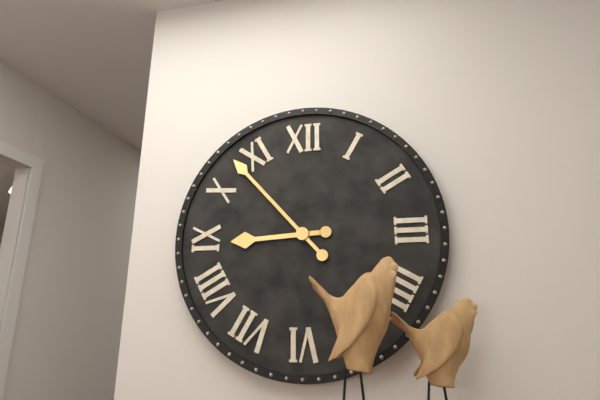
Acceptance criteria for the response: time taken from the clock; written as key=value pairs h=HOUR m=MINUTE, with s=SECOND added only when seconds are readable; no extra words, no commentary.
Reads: h=8 m=53
